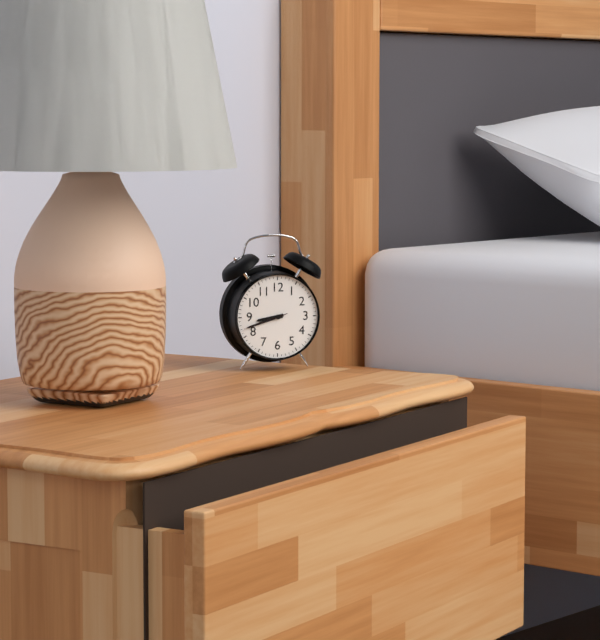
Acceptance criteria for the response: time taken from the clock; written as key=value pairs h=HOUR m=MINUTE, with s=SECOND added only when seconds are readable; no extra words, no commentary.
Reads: h=8 m=42
